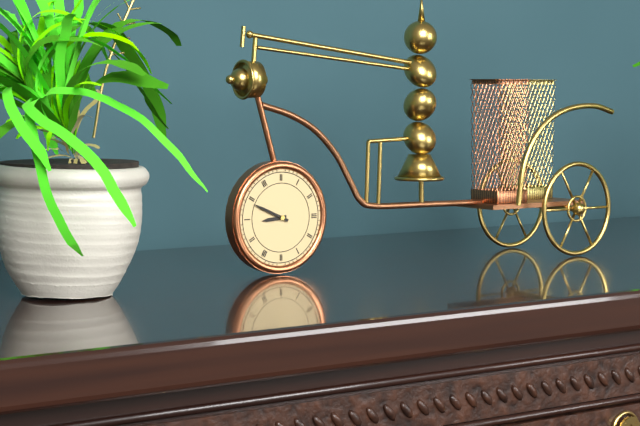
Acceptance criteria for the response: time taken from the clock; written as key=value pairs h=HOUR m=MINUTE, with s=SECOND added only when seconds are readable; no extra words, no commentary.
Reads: h=8 m=49
